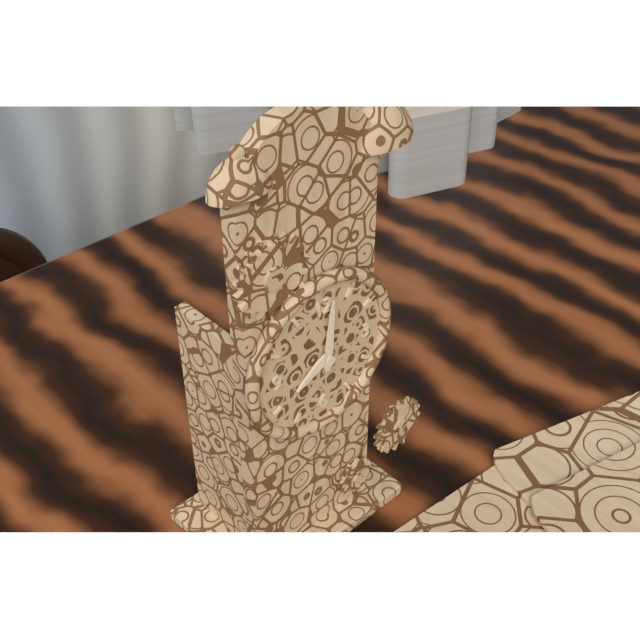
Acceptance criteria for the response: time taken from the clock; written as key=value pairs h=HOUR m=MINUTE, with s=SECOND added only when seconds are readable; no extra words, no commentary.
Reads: h=8 m=1
